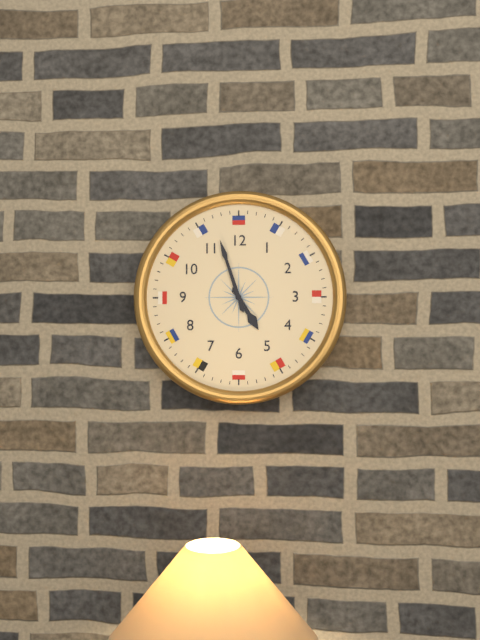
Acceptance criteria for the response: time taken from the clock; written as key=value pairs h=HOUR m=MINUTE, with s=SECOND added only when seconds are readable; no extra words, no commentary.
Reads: h=4 m=57
